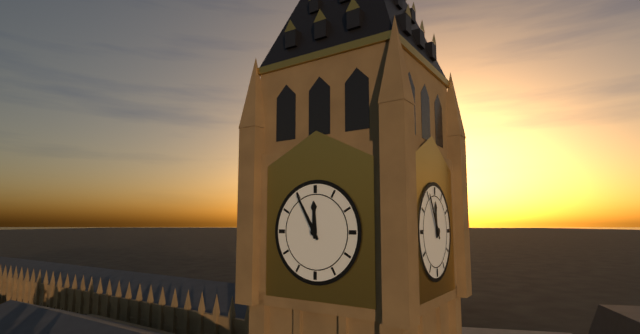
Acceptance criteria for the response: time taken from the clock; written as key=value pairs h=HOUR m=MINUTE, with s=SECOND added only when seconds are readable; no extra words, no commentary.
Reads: h=11 m=55
